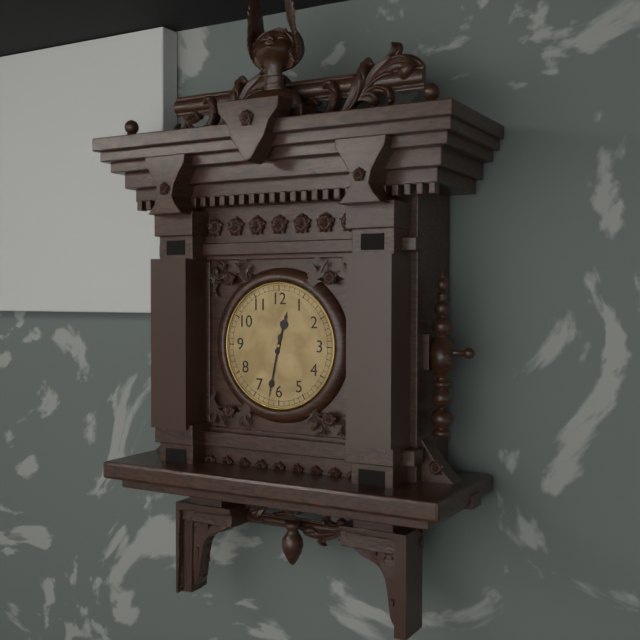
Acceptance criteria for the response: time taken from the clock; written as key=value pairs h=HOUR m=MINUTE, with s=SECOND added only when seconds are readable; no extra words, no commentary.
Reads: h=12 m=32
